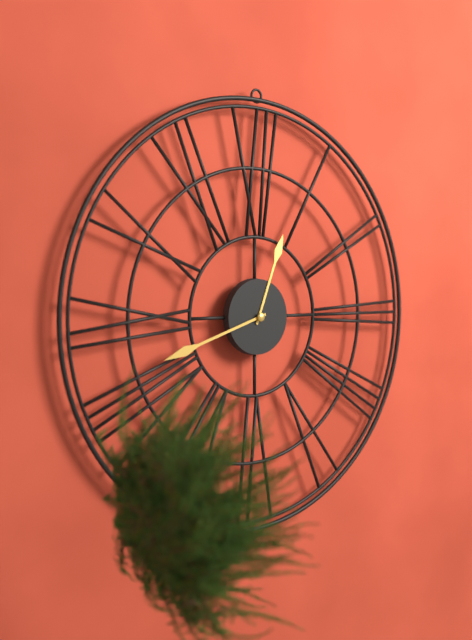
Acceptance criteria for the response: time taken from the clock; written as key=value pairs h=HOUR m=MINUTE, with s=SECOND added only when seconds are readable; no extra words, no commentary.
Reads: h=12 m=42
